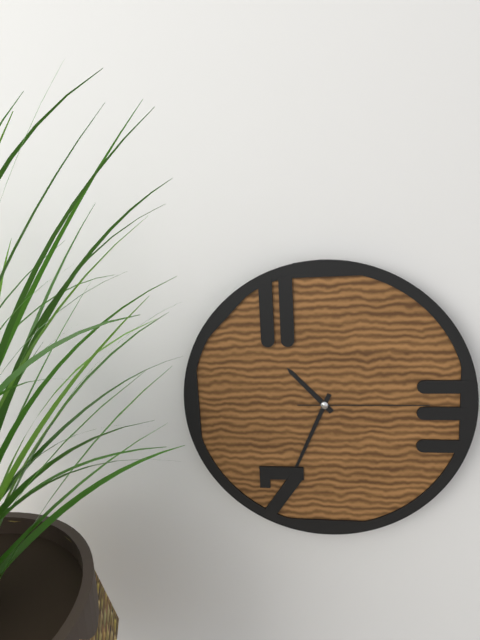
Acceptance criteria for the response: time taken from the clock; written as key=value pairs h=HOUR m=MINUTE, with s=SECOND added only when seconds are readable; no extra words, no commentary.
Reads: h=10 m=34 s=15
